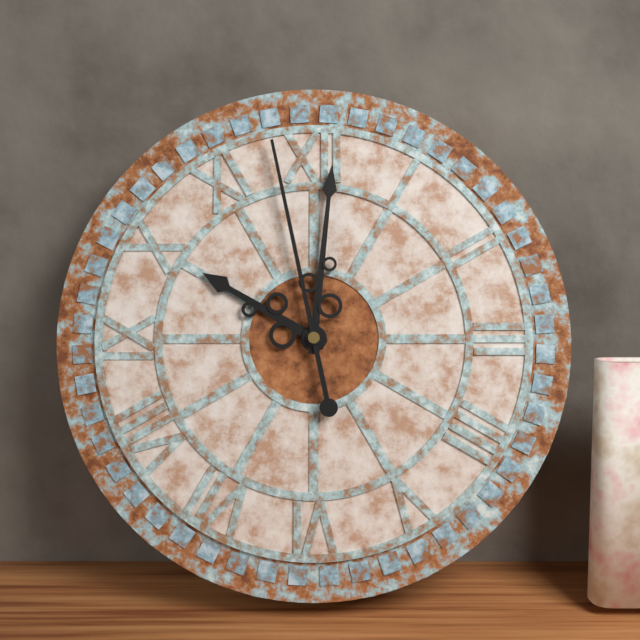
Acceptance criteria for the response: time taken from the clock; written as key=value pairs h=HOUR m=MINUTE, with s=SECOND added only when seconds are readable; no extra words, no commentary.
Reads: h=10 m=1 s=58
